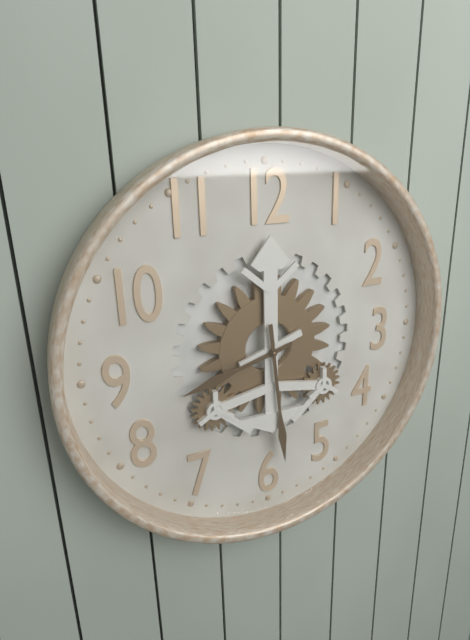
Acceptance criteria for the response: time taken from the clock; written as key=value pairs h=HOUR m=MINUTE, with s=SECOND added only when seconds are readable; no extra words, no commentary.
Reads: h=8 m=29
